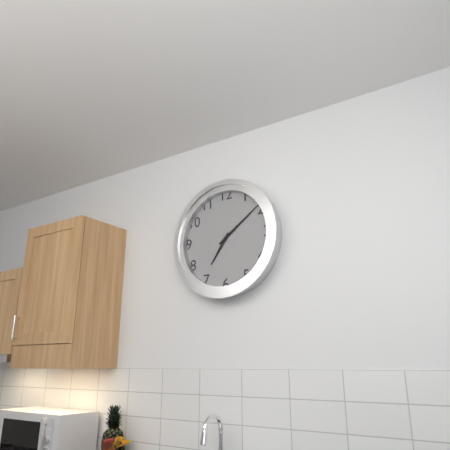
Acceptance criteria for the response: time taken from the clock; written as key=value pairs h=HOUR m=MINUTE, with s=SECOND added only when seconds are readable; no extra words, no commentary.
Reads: h=7 m=9
